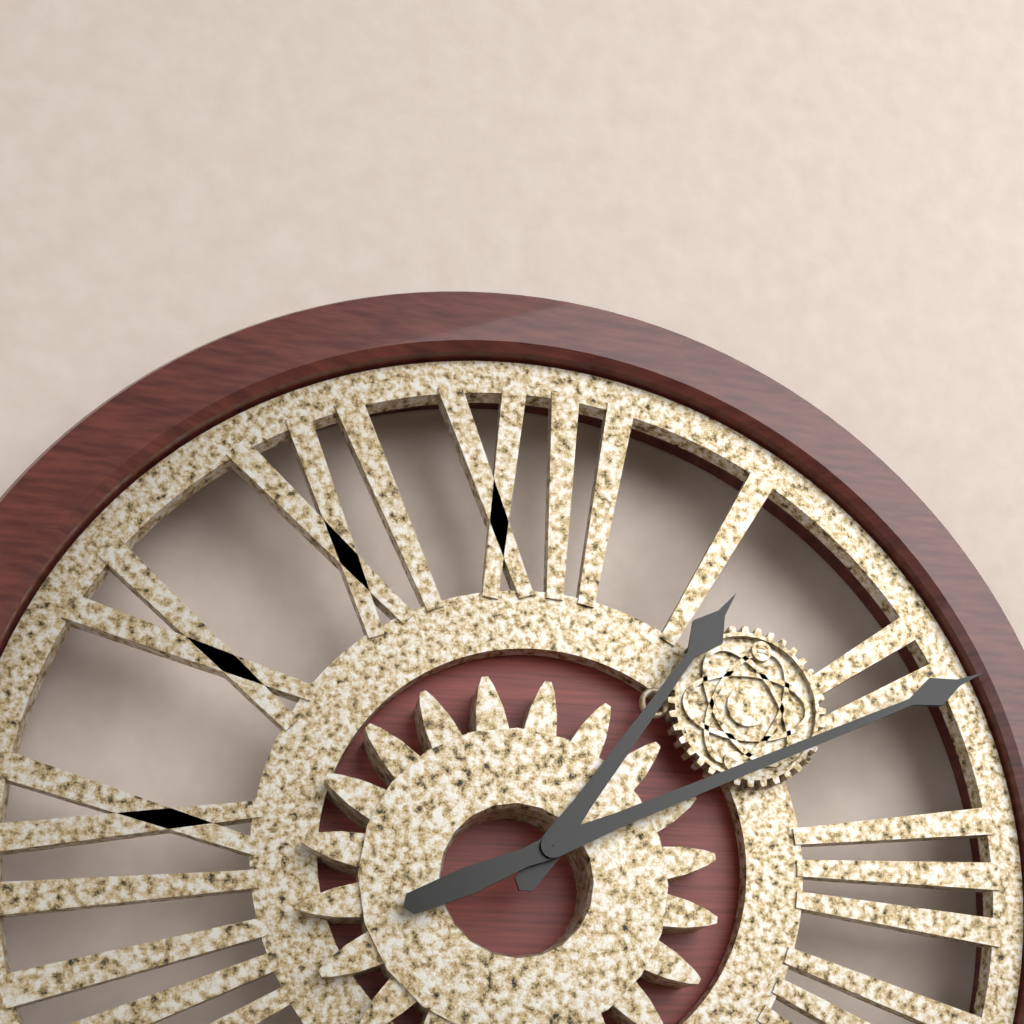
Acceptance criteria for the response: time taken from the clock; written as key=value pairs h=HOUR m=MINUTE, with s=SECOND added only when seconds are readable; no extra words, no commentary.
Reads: h=1 m=11
